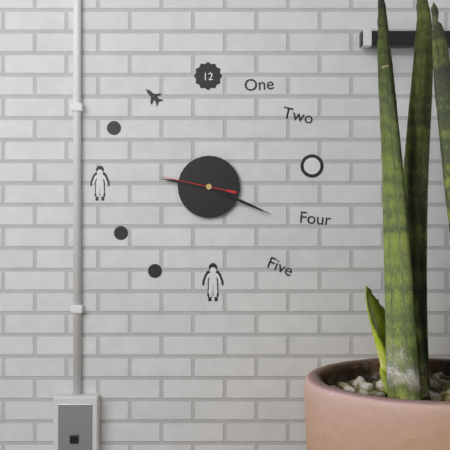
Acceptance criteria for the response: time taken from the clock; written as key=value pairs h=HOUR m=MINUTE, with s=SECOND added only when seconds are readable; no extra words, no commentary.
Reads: h=9 m=19 s=47
